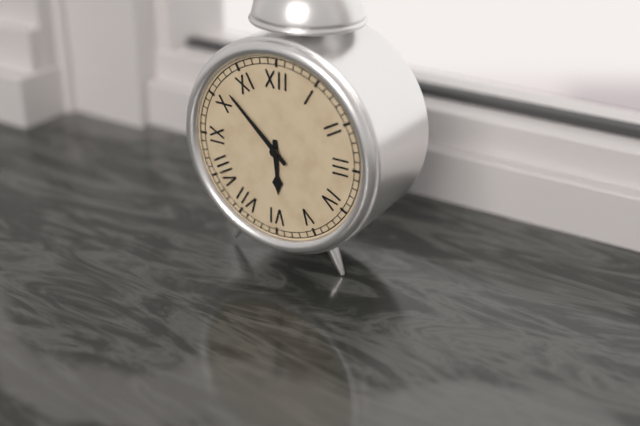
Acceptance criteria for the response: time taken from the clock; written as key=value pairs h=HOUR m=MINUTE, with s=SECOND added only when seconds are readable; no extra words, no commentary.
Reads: h=5 m=52
